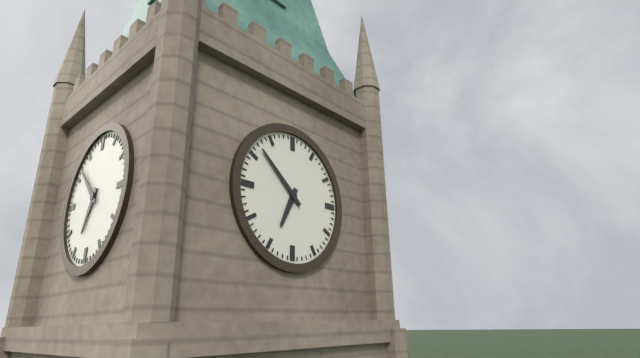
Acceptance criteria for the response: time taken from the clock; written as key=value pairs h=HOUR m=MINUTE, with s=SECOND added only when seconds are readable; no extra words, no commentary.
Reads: h=6 m=52
